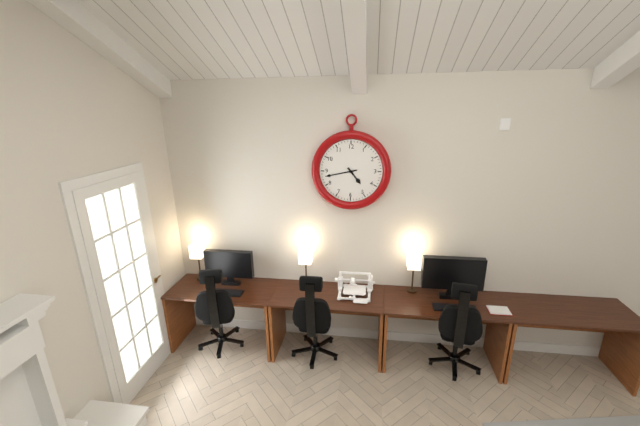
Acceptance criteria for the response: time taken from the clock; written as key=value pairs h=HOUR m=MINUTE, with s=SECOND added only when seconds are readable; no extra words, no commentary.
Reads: h=4 m=43
